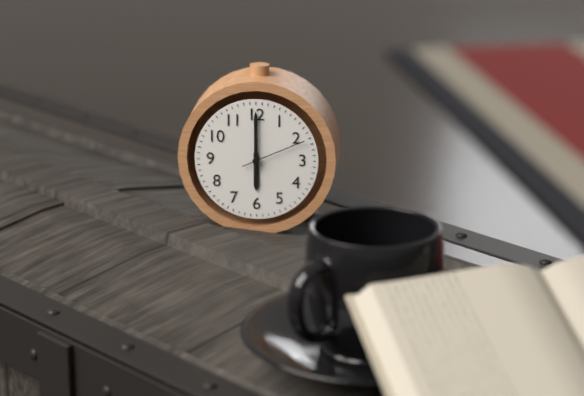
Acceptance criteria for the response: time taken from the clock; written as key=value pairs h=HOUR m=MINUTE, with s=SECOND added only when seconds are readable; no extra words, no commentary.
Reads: h=6 m=0 s=11
